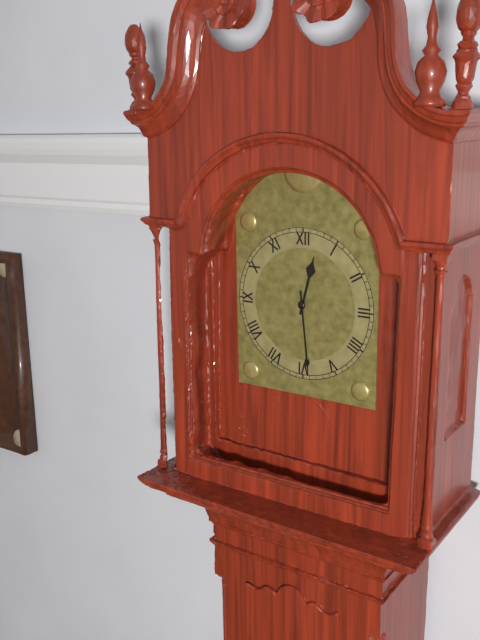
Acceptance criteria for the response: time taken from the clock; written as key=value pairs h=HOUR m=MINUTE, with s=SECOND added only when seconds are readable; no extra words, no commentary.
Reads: h=12 m=29
